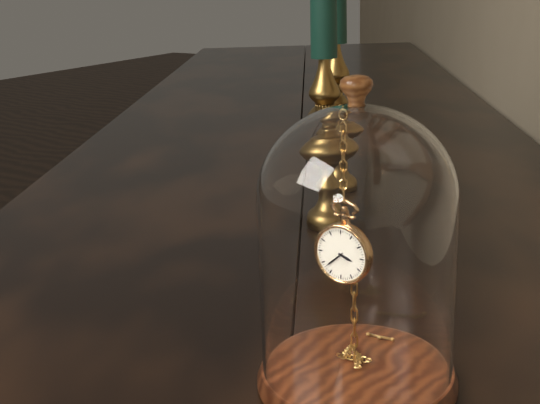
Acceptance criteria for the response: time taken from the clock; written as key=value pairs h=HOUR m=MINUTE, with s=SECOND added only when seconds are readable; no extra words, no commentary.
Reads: h=3 m=38
